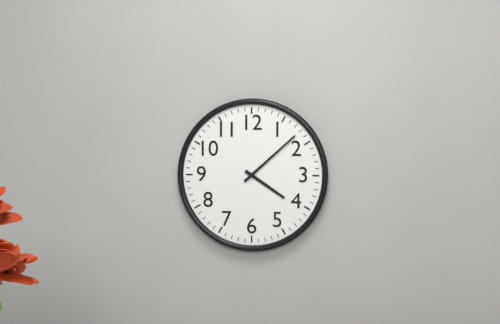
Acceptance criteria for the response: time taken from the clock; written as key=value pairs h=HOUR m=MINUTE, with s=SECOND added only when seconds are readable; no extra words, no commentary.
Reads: h=4 m=8
